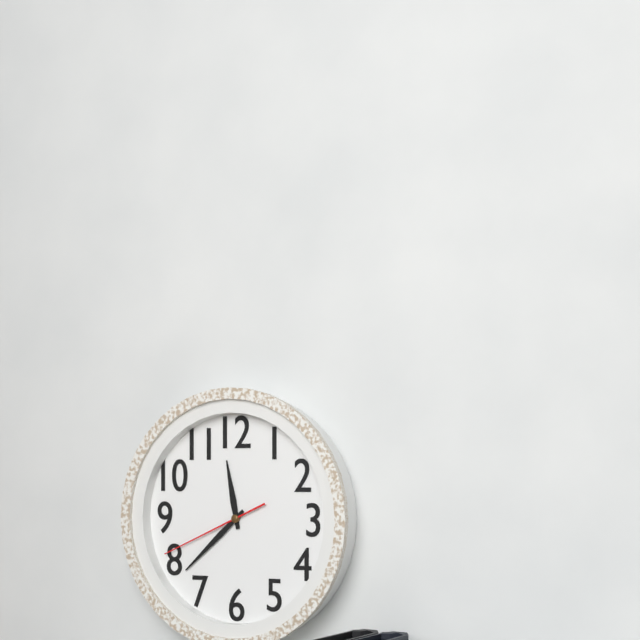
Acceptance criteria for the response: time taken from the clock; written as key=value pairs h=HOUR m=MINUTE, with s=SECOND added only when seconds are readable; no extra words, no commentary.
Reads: h=11 m=38 s=41
